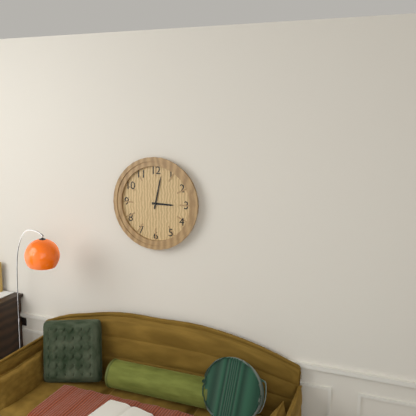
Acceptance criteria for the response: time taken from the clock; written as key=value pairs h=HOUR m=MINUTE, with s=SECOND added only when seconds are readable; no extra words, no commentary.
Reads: h=3 m=2
